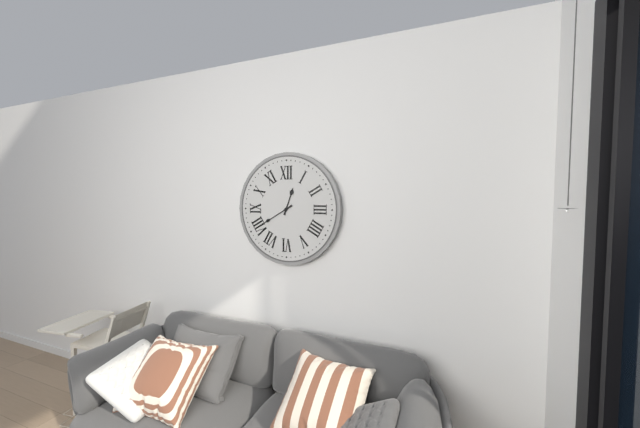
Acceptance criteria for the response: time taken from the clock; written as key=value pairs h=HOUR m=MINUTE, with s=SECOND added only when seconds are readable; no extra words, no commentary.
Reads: h=12 m=40
